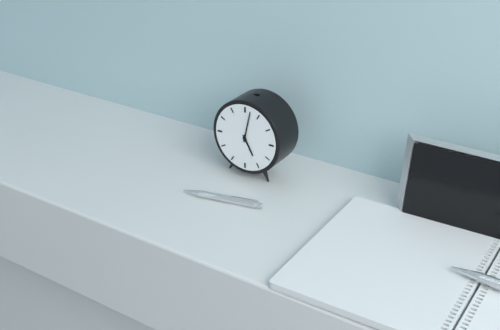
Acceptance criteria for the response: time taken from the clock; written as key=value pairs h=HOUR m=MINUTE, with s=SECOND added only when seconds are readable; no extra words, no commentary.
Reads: h=5 m=2
